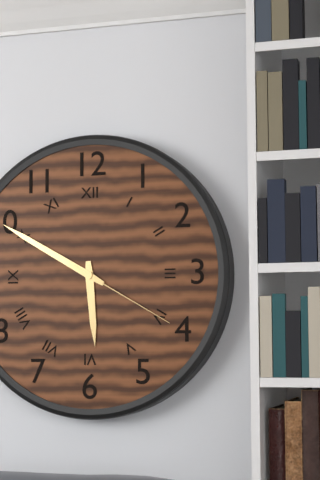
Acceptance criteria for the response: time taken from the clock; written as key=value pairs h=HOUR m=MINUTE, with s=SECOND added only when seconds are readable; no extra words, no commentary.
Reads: h=5 m=50 s=20
